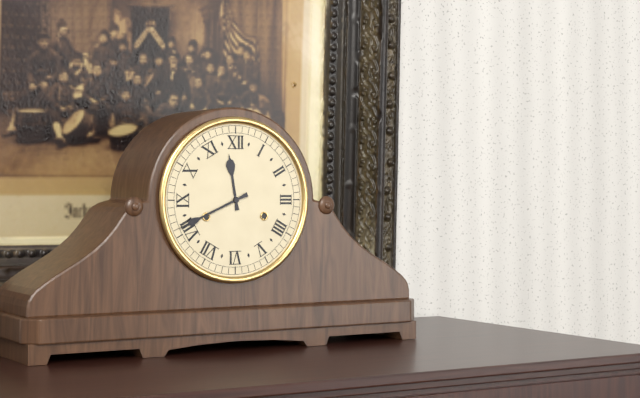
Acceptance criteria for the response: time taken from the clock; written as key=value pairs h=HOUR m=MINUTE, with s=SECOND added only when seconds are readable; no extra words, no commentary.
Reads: h=11 m=41
